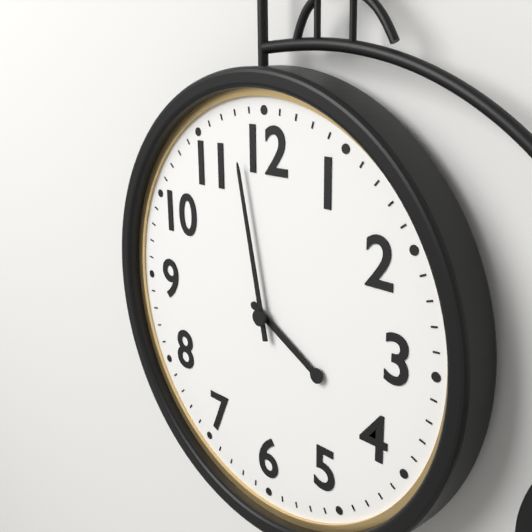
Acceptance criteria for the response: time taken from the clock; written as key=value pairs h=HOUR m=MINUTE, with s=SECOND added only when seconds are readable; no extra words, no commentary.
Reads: h=3 m=58
